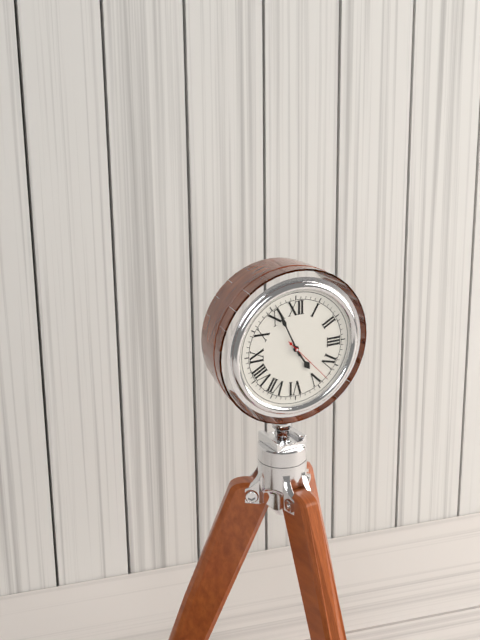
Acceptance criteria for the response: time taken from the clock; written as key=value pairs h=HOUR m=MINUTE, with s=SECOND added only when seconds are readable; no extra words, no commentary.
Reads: h=4 m=56 s=23
